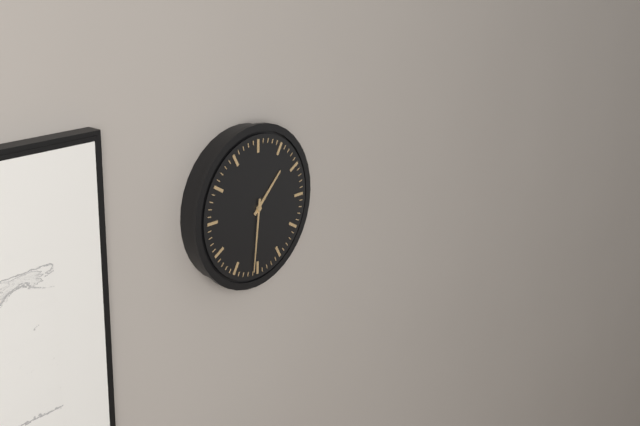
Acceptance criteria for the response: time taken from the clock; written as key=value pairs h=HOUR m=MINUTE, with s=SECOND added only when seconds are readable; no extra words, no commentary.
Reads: h=1 m=31
